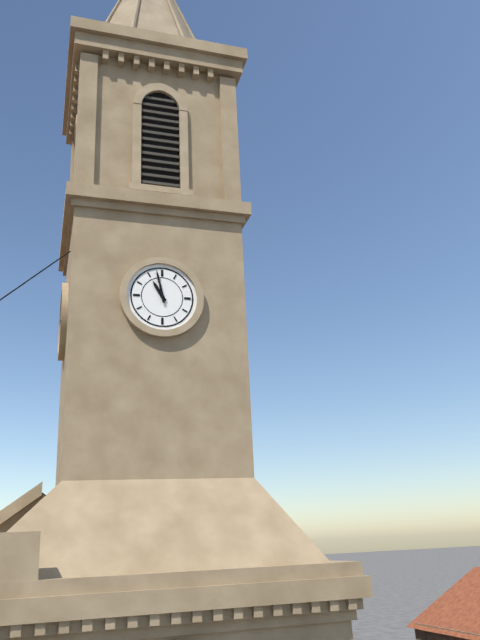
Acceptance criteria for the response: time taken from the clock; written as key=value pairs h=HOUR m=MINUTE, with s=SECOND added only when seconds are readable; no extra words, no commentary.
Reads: h=10 m=58
